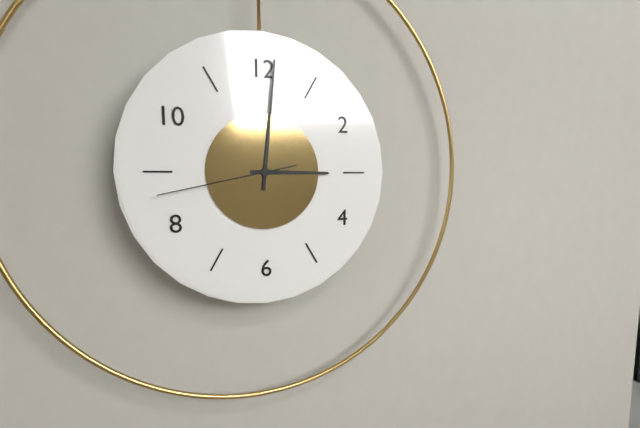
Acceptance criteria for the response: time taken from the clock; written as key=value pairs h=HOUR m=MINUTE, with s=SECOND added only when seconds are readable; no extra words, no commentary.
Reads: h=3 m=1 s=43
